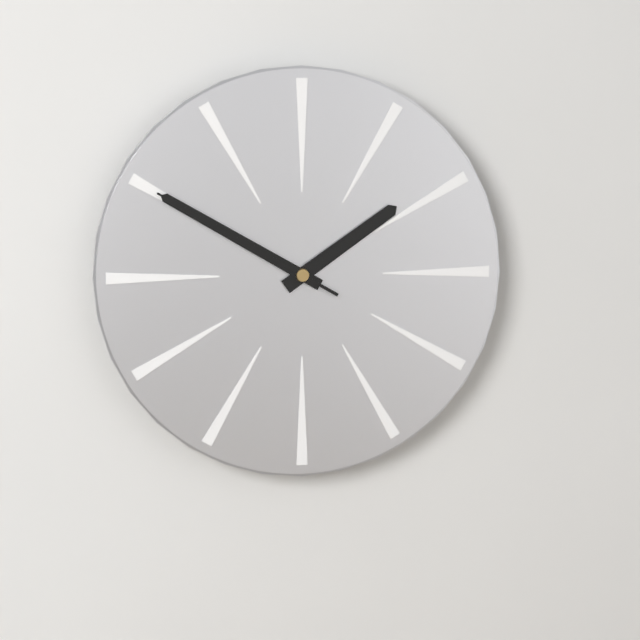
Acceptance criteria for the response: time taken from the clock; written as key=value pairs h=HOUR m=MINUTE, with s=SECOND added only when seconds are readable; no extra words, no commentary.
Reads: h=1 m=50 s=50
